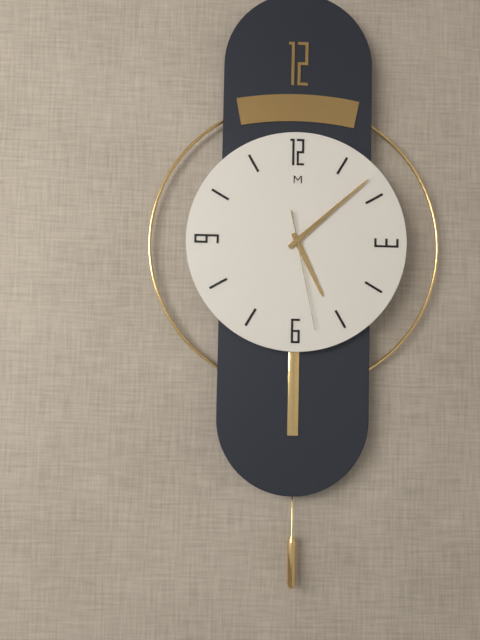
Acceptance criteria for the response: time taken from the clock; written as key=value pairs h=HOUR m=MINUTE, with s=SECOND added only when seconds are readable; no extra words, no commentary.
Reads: h=5 m=8 s=28
